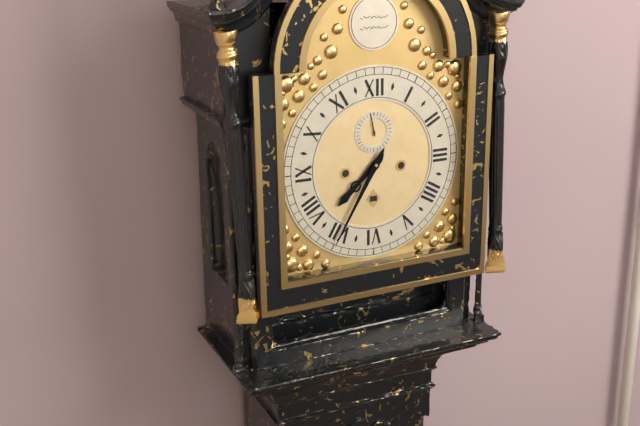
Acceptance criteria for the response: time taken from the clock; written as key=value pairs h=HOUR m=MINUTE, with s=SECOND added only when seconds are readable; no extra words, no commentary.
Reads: h=7 m=35
